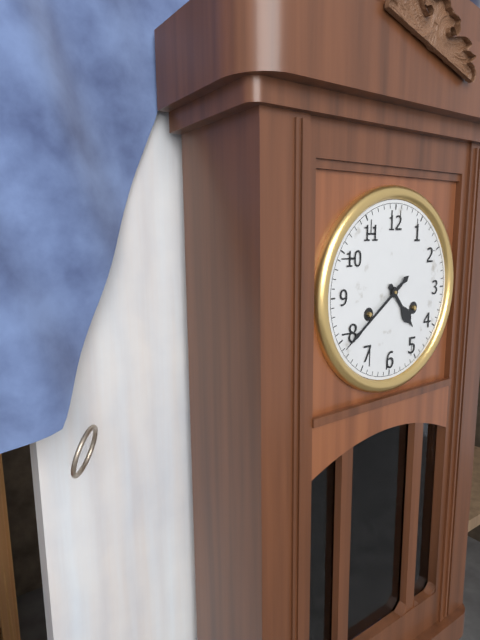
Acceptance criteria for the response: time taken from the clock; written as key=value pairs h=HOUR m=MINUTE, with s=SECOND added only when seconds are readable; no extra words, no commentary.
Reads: h=4 m=39
